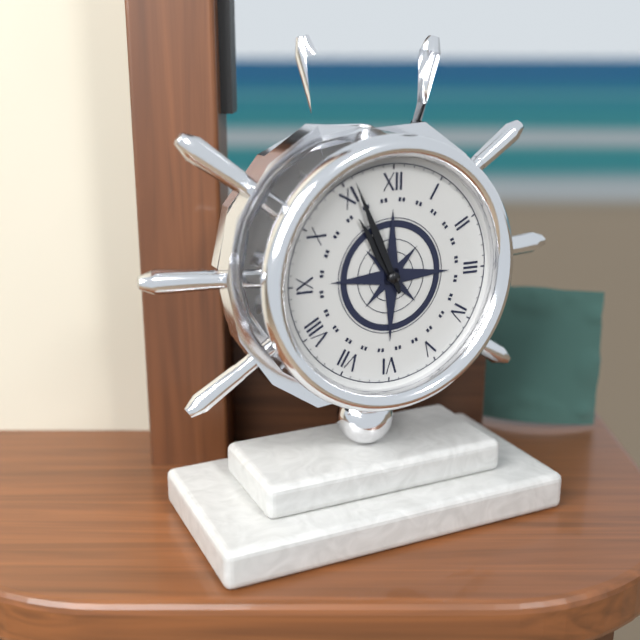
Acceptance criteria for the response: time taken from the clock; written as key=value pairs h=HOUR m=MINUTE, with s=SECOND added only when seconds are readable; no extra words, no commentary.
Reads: h=10 m=56
